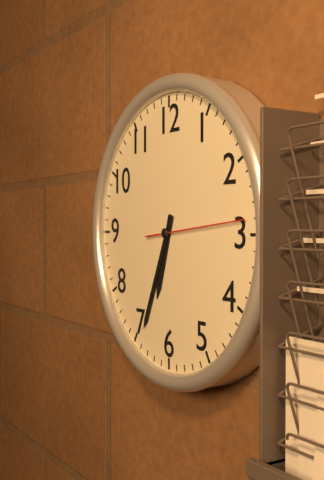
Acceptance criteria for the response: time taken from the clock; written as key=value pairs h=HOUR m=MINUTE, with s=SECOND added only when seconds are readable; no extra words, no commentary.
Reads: h=6 m=34 s=14
